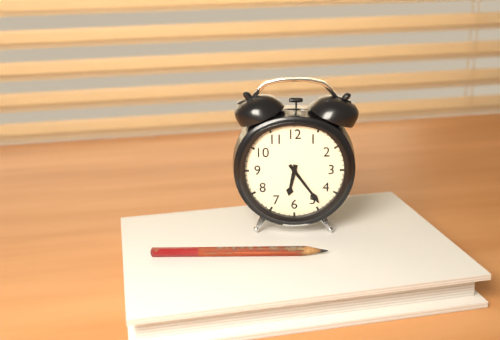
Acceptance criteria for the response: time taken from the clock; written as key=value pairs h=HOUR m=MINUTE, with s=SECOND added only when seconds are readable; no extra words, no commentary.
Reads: h=6 m=24
